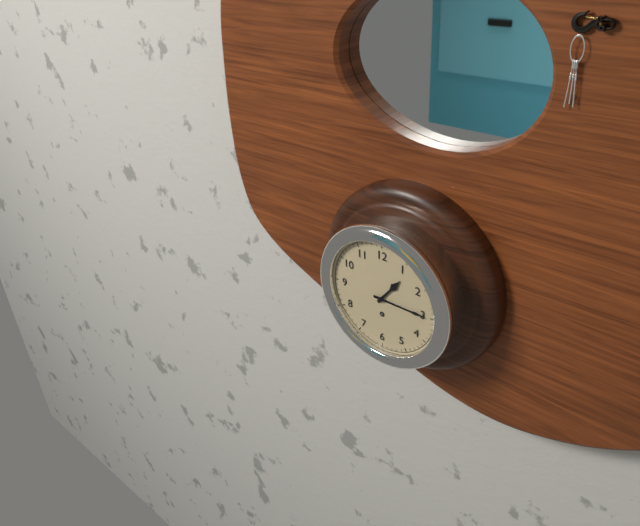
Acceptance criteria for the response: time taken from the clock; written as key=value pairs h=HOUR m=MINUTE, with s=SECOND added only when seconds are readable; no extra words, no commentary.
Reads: h=1 m=15
